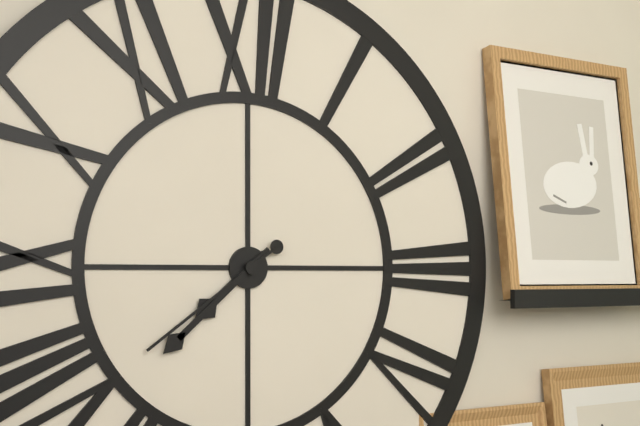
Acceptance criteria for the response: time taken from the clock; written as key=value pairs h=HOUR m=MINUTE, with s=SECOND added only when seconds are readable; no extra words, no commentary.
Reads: h=7 m=38 s=39
